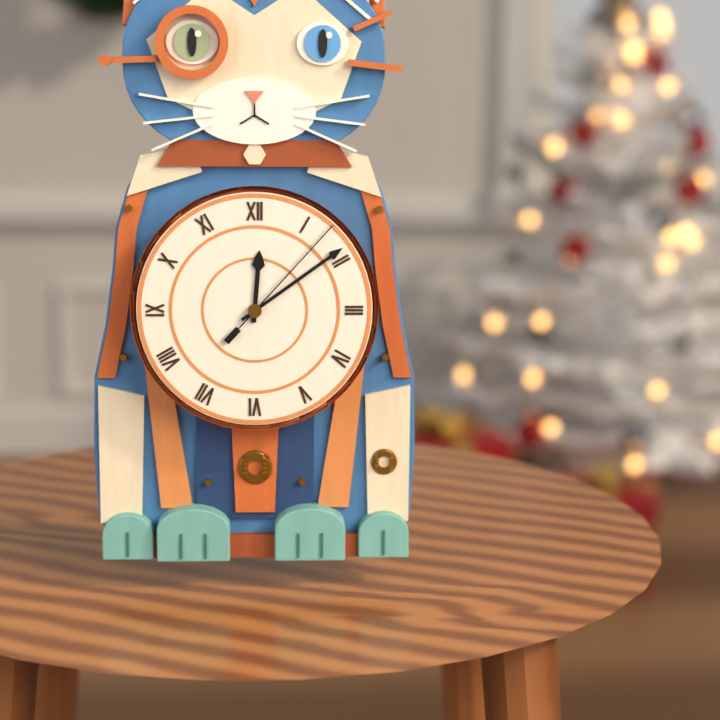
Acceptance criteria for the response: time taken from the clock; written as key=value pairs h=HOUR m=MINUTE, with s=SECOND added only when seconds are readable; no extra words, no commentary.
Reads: h=12 m=9 s=7
